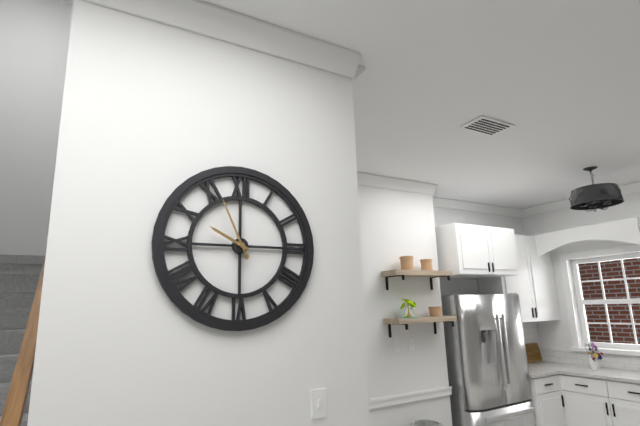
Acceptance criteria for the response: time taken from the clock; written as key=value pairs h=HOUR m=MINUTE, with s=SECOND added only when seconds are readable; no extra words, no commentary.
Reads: h=9 m=56
